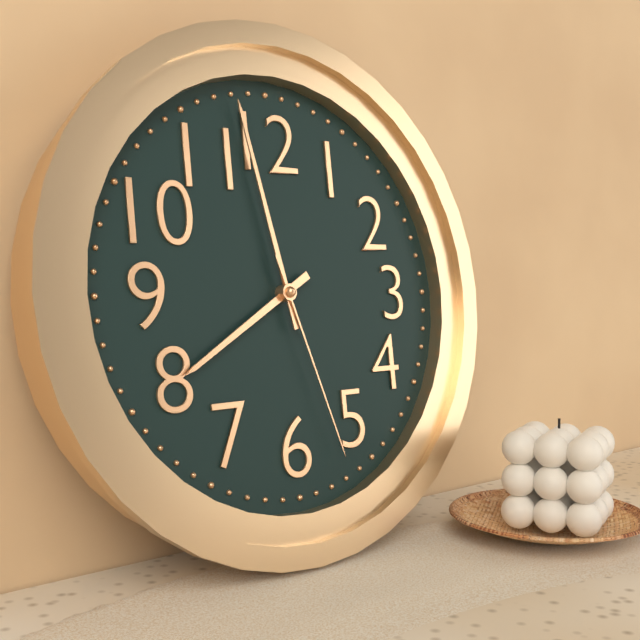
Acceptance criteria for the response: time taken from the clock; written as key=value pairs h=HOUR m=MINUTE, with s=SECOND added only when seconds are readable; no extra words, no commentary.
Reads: h=7 m=58 s=27
